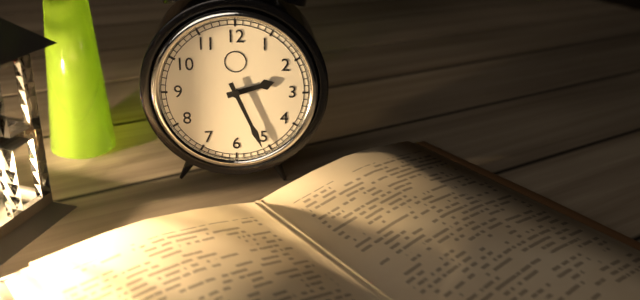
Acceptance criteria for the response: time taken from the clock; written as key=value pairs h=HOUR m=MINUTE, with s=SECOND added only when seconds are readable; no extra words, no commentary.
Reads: h=2 m=26
